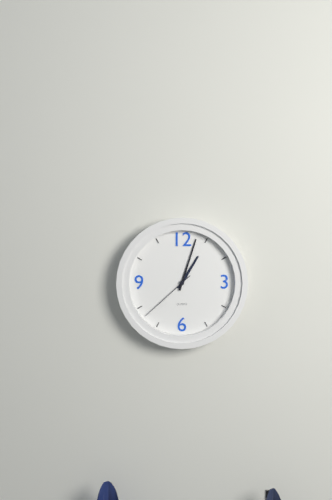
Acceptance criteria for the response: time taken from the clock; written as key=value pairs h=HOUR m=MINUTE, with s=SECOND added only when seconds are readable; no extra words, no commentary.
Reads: h=1 m=3 s=38
